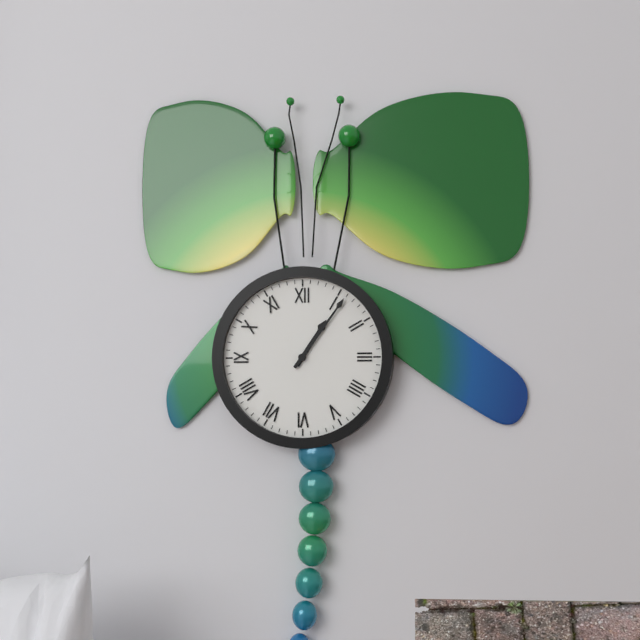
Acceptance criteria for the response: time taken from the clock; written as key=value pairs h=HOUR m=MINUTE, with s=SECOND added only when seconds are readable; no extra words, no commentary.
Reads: h=1 m=6
